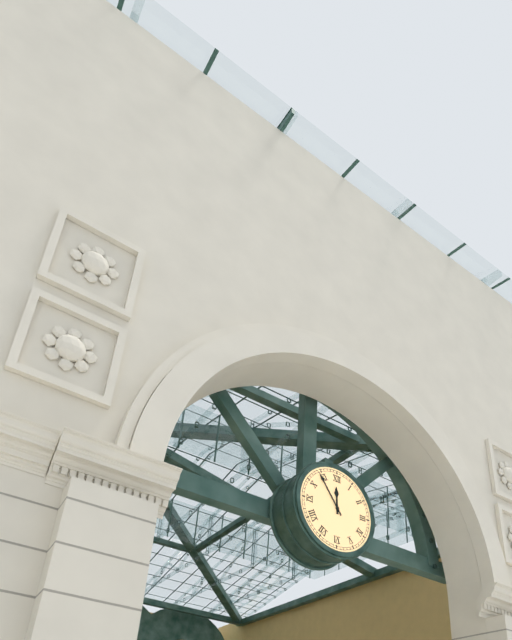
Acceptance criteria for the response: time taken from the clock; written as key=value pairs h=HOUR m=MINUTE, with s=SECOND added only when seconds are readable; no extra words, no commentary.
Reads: h=11 m=54
